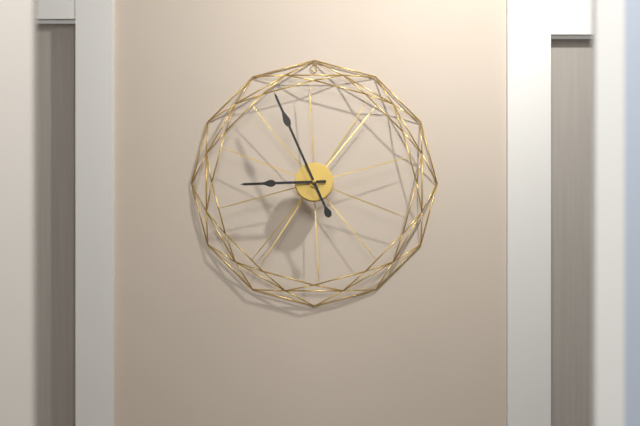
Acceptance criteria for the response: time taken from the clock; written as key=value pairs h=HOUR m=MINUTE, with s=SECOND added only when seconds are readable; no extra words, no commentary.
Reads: h=8 m=56
